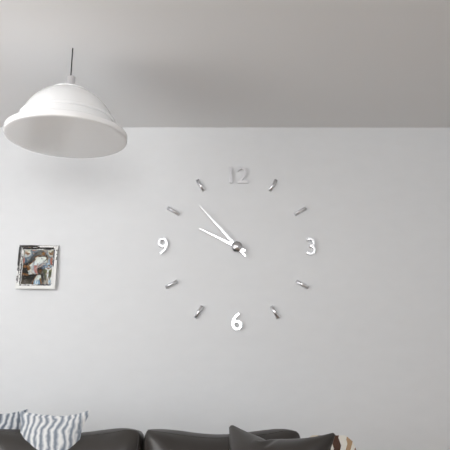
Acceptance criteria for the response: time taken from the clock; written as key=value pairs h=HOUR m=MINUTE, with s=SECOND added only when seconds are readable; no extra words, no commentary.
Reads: h=9 m=53
